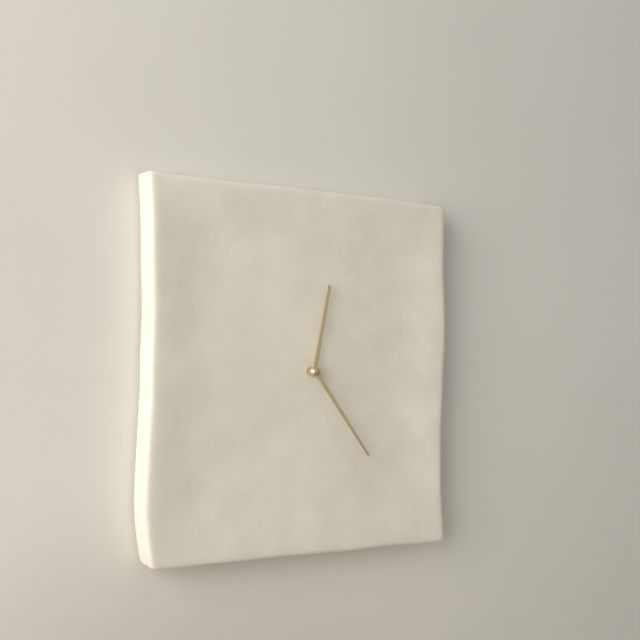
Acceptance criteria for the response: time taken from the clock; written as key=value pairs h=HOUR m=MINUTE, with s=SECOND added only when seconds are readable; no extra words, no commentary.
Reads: h=12 m=24
